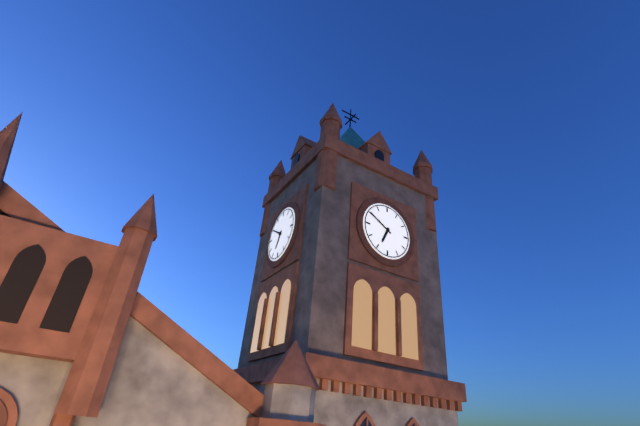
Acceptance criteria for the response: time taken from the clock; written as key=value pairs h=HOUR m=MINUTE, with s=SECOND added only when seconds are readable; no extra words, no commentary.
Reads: h=6 m=50
